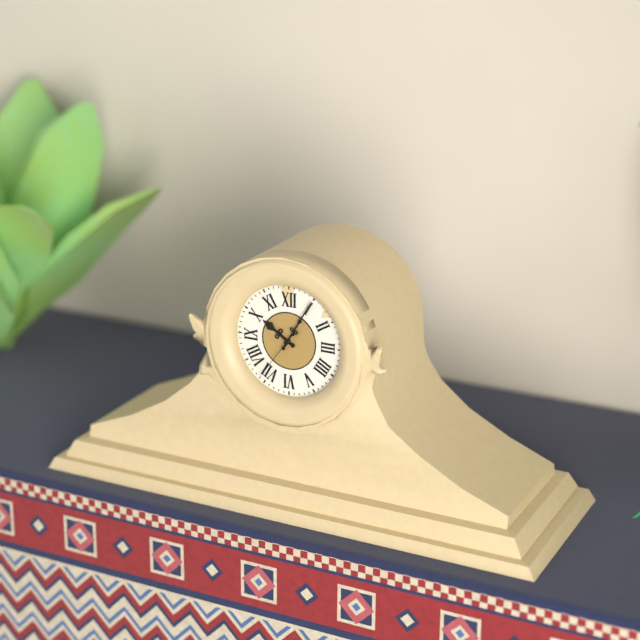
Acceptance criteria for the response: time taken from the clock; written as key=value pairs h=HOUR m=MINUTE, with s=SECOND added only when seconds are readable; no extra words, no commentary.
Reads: h=10 m=5 s=36
